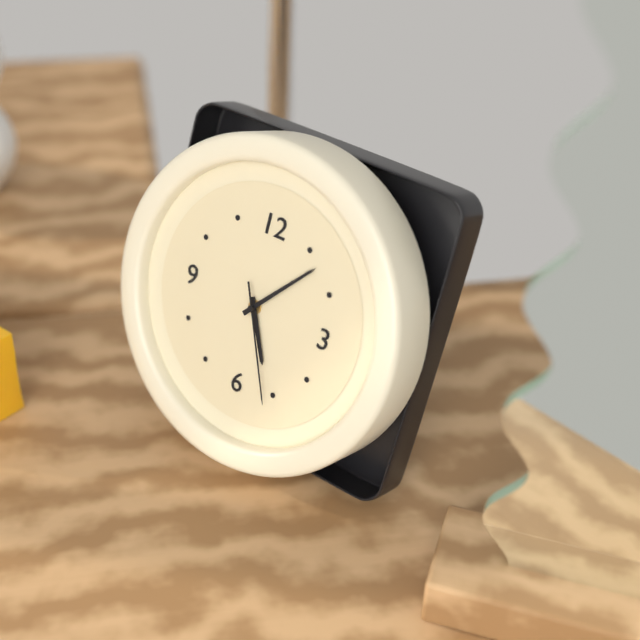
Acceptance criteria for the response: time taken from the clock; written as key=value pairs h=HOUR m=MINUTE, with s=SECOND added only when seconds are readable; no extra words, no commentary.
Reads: h=5 m=7 s=26
